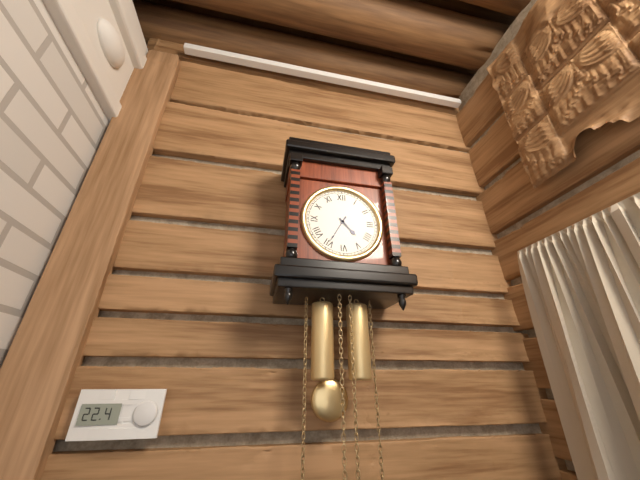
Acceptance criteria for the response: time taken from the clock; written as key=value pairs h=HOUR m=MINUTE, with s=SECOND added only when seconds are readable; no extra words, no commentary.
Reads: h=4 m=35
